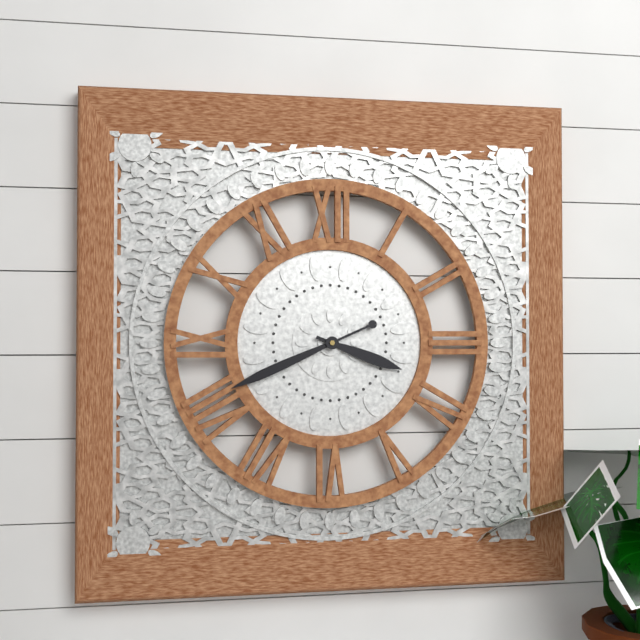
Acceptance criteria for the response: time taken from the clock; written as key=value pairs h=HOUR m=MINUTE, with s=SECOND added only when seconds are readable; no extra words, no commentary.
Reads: h=3 m=41
